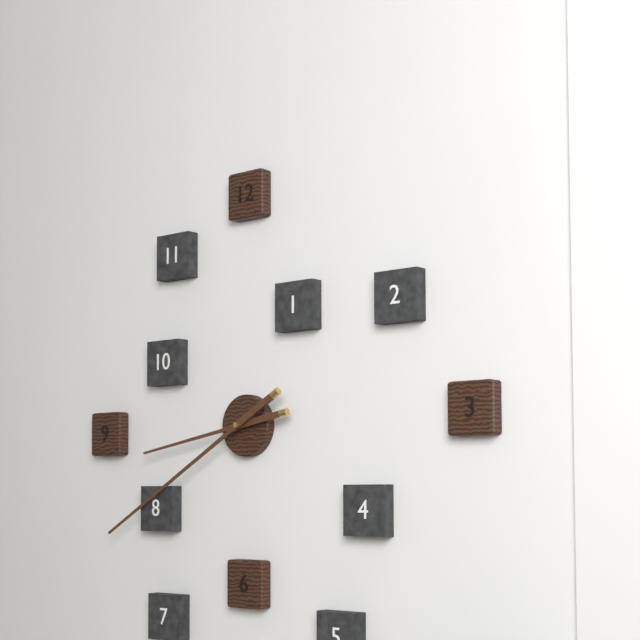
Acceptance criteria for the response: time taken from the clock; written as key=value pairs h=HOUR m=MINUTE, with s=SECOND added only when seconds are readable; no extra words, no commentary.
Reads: h=8 m=40
